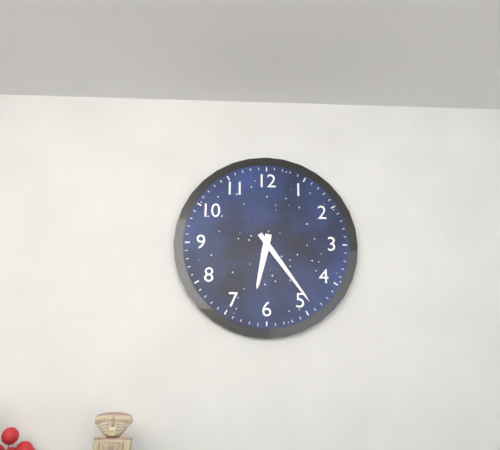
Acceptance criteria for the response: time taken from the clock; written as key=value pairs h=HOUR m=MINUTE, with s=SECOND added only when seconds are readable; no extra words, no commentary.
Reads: h=6 m=24
